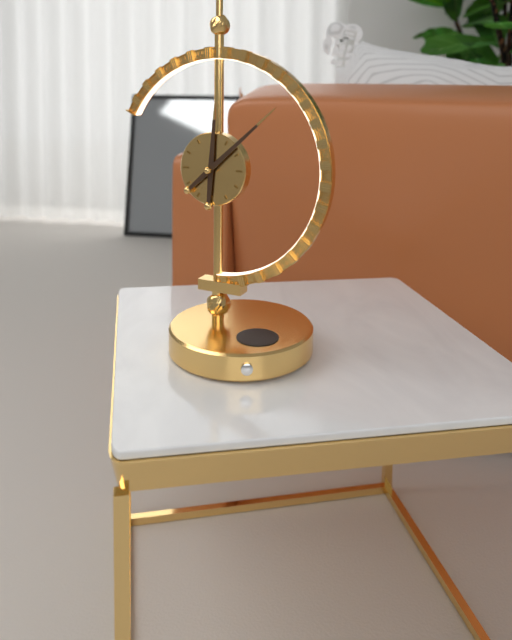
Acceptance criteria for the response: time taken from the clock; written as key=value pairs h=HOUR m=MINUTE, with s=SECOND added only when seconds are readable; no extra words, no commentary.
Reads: h=12 m=8
